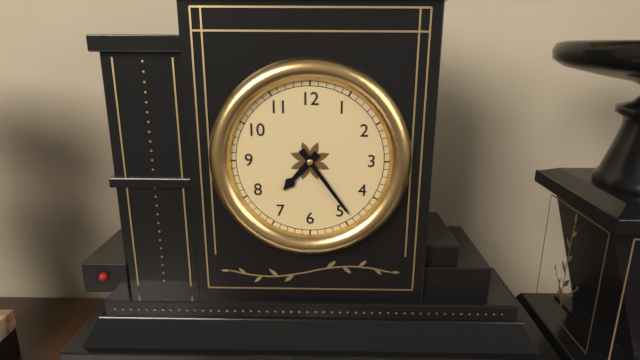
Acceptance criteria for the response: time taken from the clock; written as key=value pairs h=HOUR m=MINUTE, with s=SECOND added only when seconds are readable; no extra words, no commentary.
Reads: h=7 m=24
